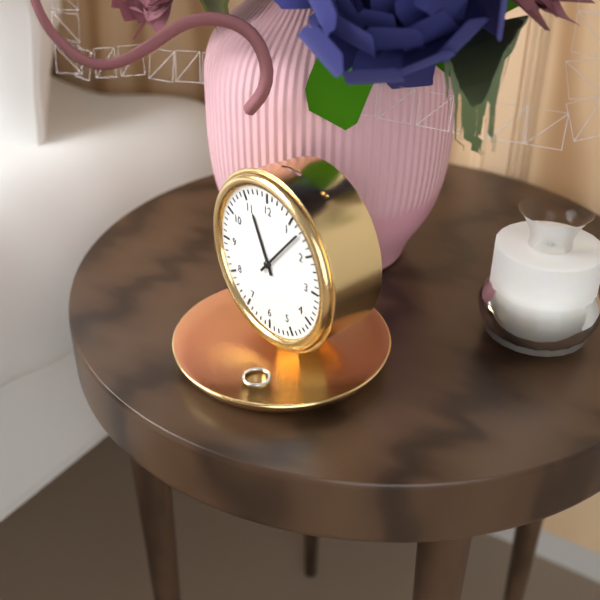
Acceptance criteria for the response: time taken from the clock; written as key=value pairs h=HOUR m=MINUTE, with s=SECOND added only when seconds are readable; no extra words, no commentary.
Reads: h=11 m=7
